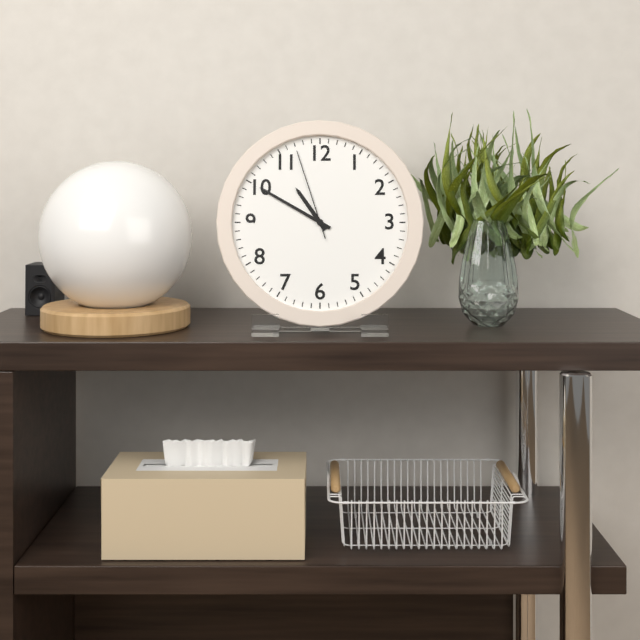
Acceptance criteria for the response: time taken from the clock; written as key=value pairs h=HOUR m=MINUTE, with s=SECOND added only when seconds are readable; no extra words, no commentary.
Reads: h=10 m=50 s=57
